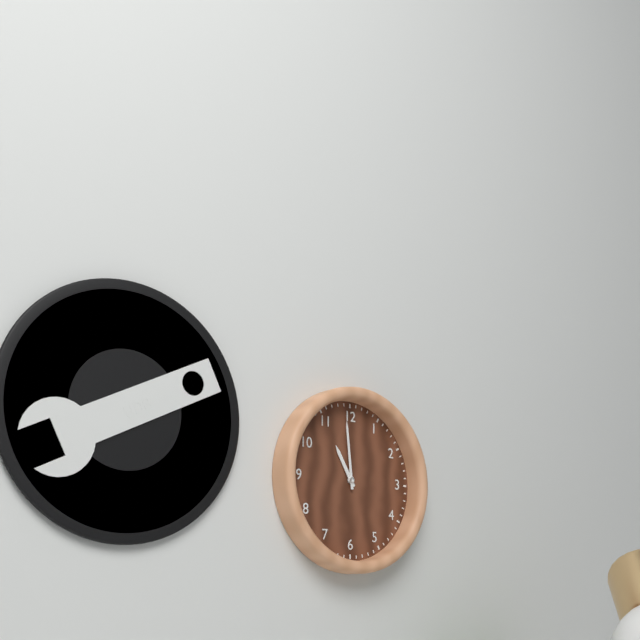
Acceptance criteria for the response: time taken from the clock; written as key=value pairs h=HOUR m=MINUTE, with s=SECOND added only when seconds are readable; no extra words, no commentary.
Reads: h=10 m=59
